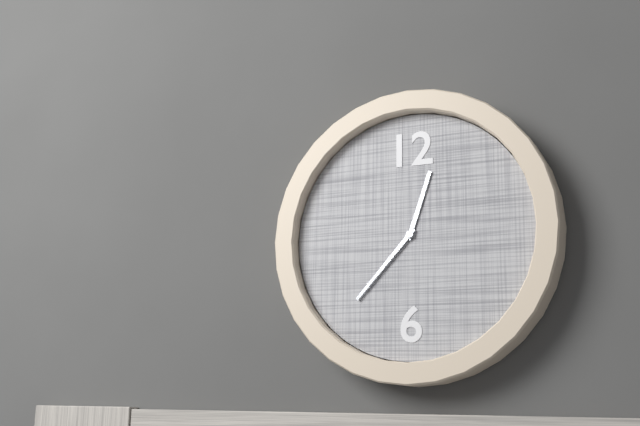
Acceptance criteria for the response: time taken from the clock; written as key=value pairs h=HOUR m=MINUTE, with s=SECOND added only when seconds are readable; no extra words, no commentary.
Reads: h=12 m=37
